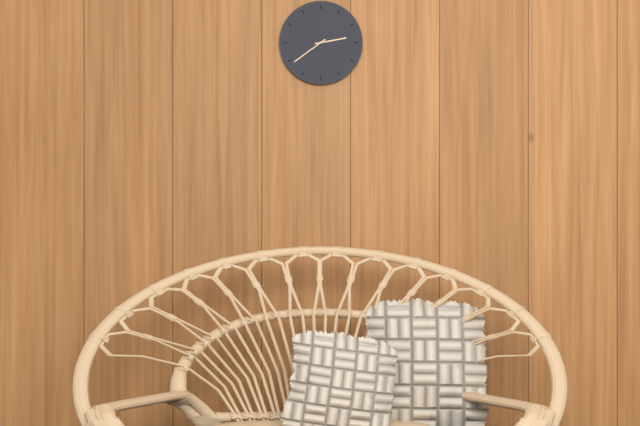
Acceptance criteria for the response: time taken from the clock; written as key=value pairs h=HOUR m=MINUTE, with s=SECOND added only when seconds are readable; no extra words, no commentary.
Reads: h=2 m=39
